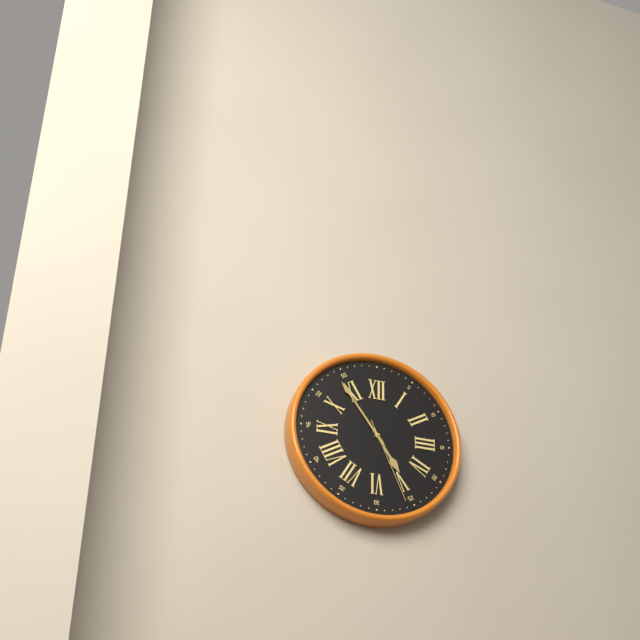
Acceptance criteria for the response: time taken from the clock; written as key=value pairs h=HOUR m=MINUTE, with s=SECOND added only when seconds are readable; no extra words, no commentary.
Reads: h=4 m=54 s=26
